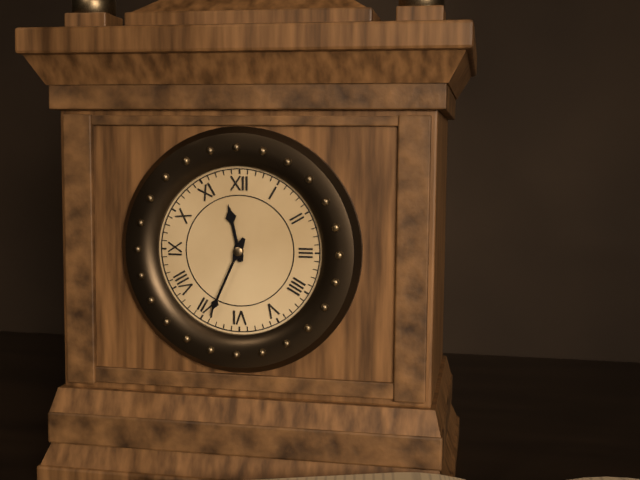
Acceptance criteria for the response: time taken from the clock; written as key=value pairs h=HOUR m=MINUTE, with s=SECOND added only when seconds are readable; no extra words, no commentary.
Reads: h=11 m=34
